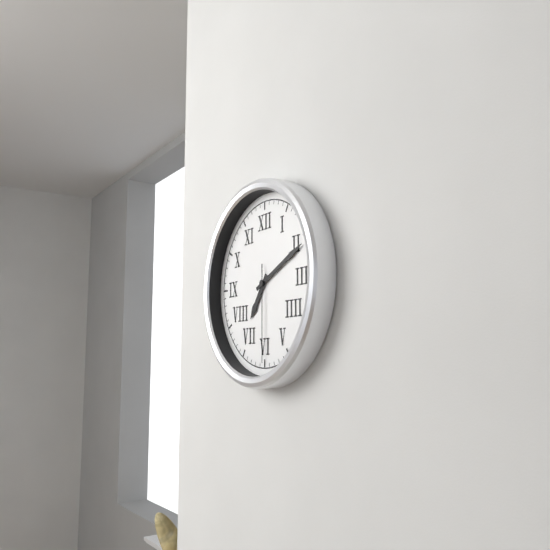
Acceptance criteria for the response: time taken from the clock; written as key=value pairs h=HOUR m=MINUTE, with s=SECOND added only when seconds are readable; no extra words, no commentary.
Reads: h=7 m=11 s=30
